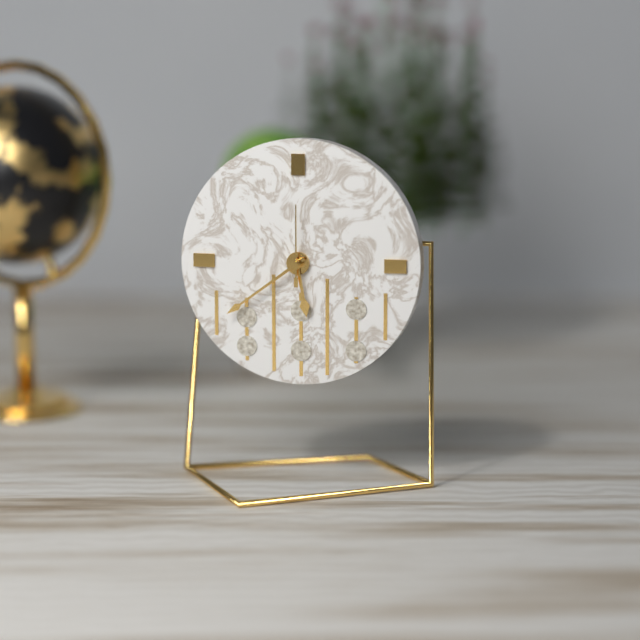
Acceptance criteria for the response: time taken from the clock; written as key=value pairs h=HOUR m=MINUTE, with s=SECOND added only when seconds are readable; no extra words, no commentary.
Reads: h=5 m=39 s=0
